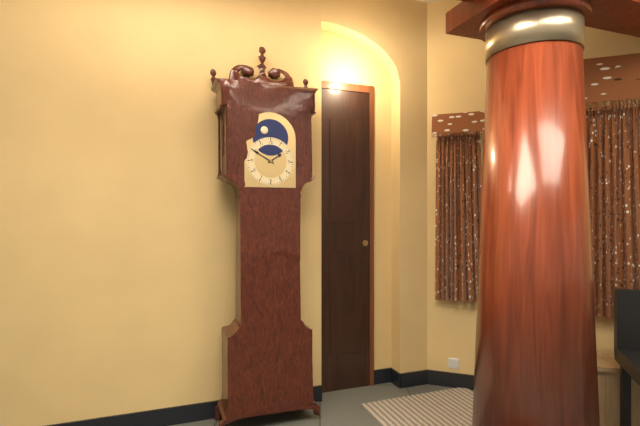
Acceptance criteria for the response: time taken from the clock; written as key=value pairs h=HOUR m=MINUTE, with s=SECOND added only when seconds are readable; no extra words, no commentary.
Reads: h=1 m=50
